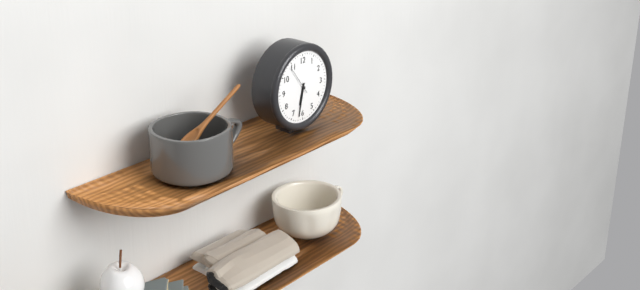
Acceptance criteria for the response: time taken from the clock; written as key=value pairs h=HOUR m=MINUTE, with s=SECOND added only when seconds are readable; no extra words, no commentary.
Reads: h=6 m=32
